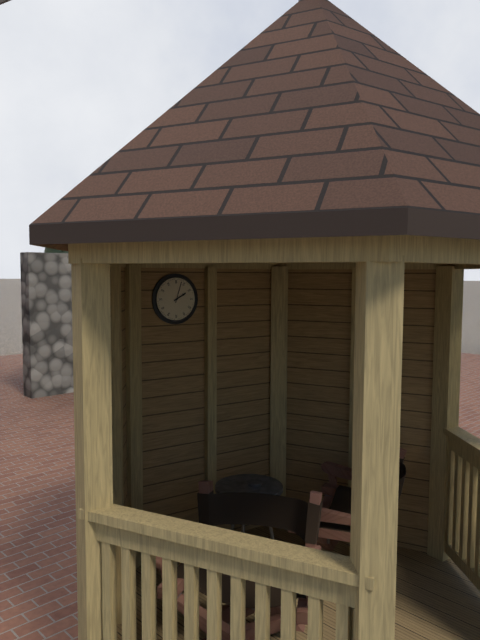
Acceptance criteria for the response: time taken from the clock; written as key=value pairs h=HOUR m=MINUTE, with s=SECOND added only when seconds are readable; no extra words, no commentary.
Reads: h=2 m=3
